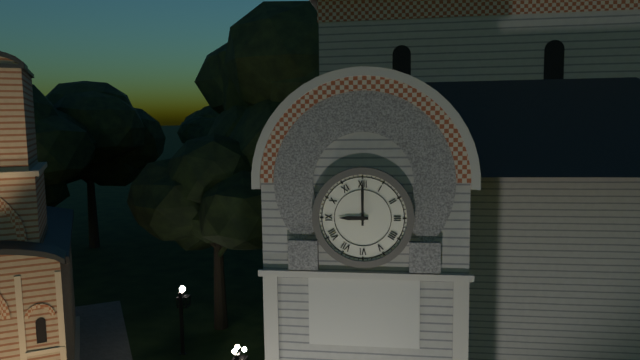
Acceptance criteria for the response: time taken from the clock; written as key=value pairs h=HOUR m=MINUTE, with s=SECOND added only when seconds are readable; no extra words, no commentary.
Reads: h=9 m=0
